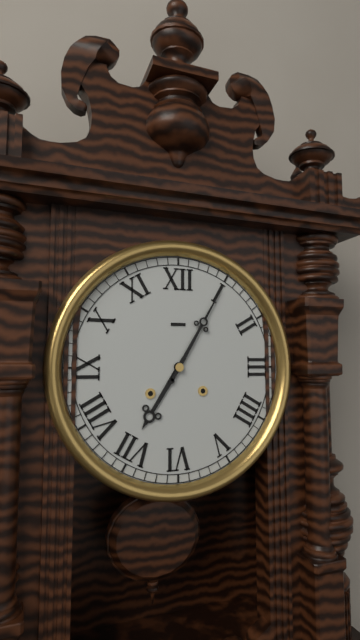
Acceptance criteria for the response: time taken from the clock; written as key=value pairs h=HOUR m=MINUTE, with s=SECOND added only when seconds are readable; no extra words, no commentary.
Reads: h=7 m=5
